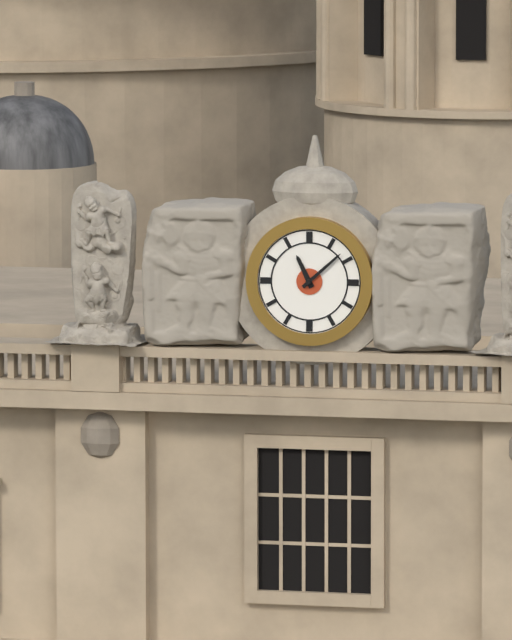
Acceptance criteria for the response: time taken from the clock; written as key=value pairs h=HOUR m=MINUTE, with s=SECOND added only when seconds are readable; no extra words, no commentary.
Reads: h=11 m=8
